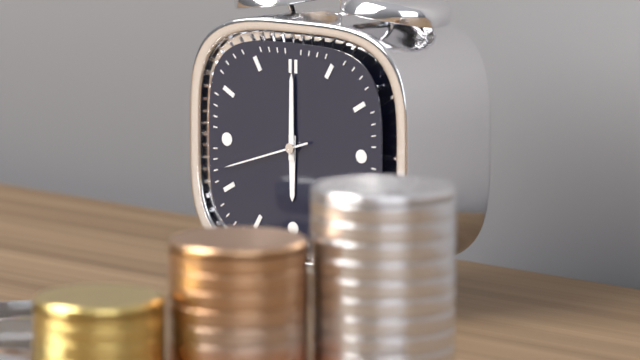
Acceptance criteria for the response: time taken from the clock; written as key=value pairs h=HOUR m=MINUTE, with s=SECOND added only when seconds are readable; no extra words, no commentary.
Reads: h=6 m=0 s=42
